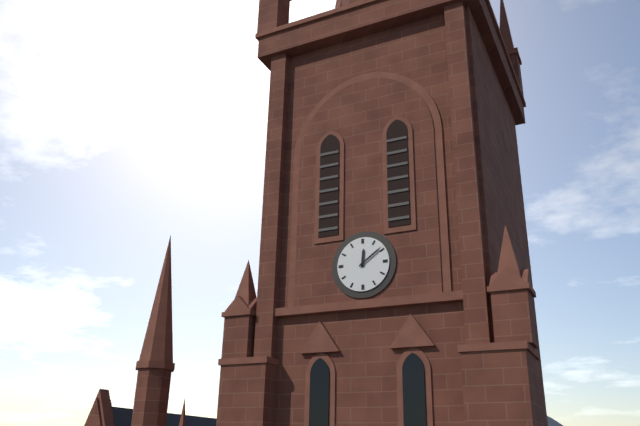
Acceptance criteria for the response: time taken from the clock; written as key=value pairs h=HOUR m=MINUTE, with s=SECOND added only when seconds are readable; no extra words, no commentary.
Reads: h=12 m=9
